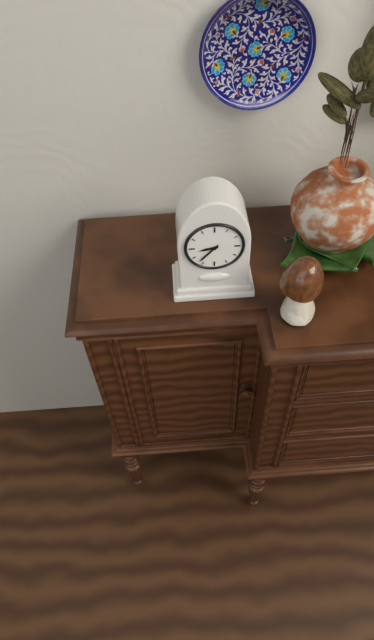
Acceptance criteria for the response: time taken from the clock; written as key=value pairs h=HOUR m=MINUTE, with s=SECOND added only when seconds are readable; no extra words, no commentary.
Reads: h=8 m=37
